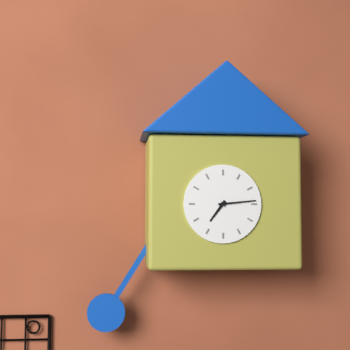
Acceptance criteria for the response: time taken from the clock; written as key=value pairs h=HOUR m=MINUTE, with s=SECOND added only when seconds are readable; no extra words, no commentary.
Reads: h=7 m=14
